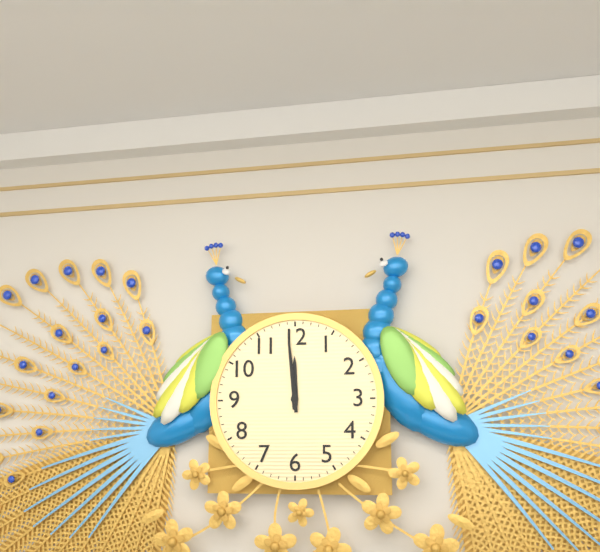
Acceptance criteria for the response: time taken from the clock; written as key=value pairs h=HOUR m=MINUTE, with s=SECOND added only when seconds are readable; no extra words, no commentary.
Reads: h=11 m=59
